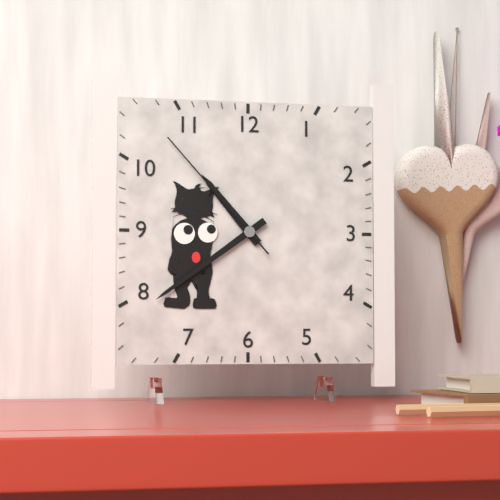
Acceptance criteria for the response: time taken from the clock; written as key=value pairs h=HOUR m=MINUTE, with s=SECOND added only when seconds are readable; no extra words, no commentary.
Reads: h=10 m=39 s=53
